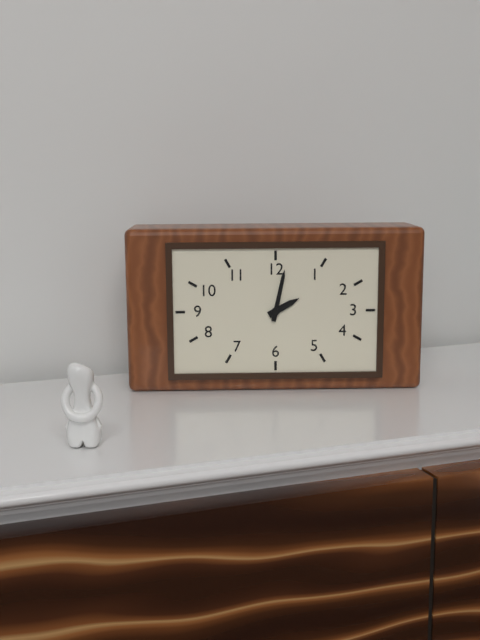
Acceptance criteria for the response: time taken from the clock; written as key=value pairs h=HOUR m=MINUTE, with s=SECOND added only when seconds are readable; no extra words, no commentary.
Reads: h=2 m=2
